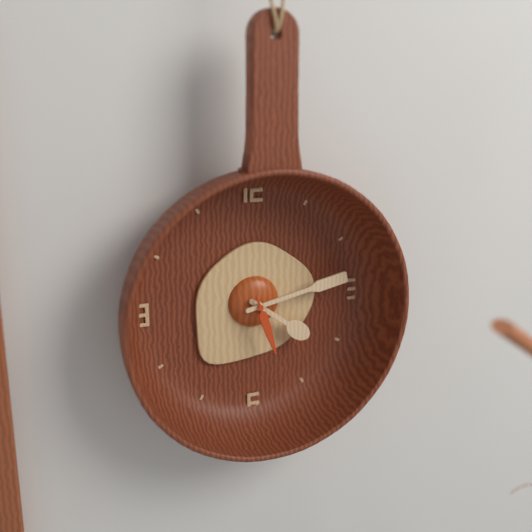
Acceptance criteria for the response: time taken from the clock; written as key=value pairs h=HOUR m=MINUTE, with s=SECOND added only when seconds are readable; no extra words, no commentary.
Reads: h=4 m=13 s=27
